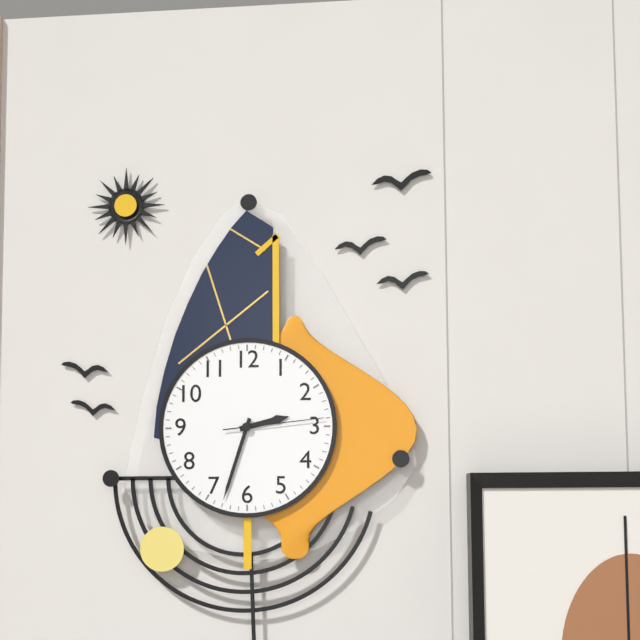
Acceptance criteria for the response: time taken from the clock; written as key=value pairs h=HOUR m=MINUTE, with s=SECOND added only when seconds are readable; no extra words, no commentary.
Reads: h=2 m=33 s=14
